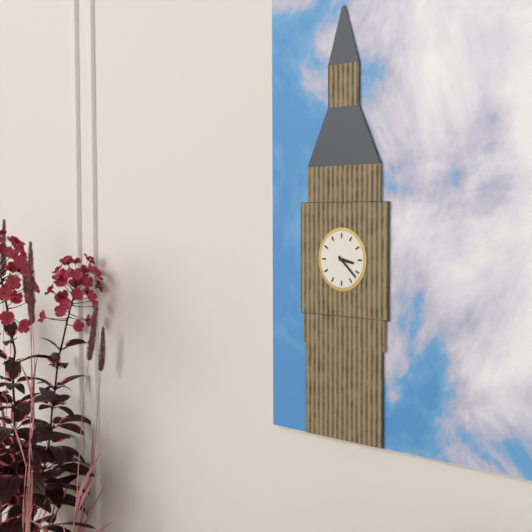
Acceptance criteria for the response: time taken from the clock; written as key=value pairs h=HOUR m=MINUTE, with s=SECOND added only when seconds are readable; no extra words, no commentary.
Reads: h=3 m=22
